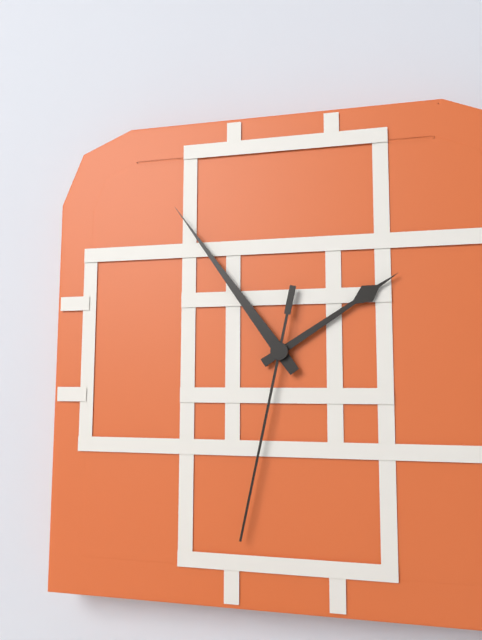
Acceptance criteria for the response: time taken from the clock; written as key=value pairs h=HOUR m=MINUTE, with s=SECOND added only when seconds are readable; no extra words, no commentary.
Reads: h=1 m=54 s=32
